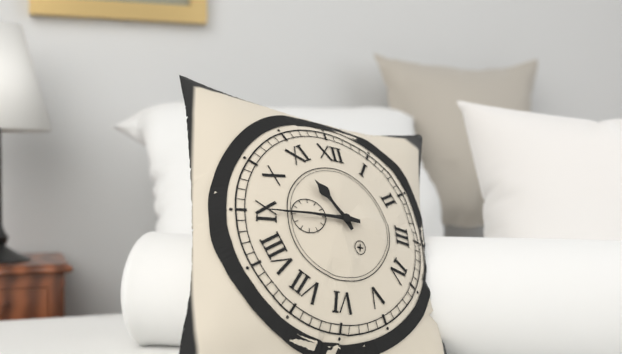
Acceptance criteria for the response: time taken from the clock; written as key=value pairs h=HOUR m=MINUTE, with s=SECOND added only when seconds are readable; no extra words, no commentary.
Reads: h=10 m=45
